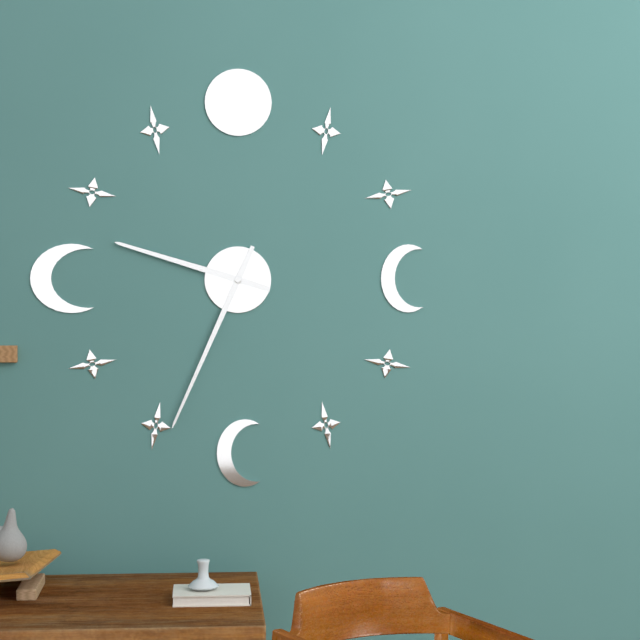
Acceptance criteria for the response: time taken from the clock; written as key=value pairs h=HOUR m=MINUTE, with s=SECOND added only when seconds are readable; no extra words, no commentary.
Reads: h=9 m=34
